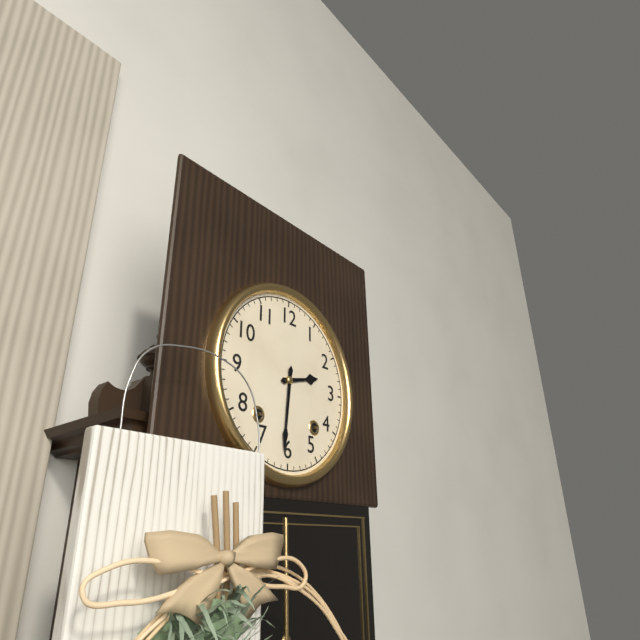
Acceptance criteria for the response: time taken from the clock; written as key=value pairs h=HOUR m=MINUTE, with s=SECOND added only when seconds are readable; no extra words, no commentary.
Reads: h=2 m=31
